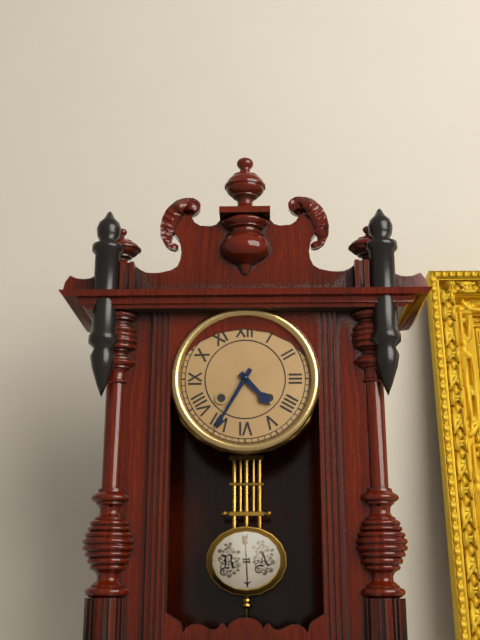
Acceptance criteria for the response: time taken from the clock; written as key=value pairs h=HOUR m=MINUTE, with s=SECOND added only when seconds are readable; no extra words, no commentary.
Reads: h=4 m=35
